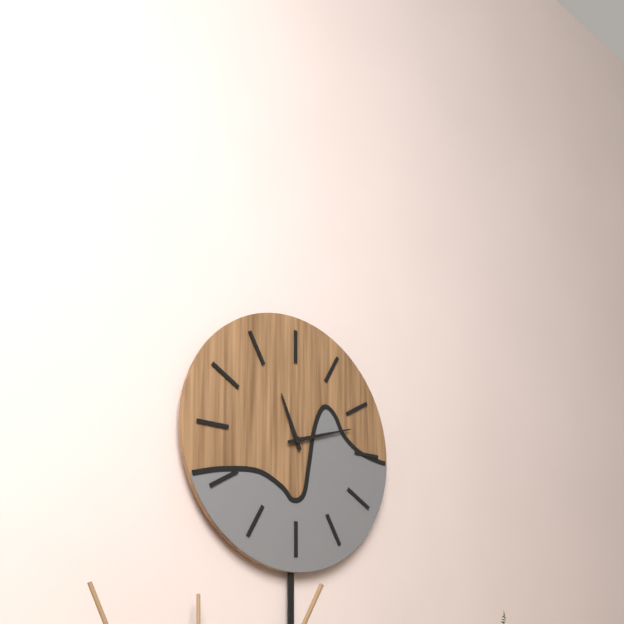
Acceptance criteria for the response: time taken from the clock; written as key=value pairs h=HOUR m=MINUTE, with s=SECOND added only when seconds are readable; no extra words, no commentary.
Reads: h=11 m=12
